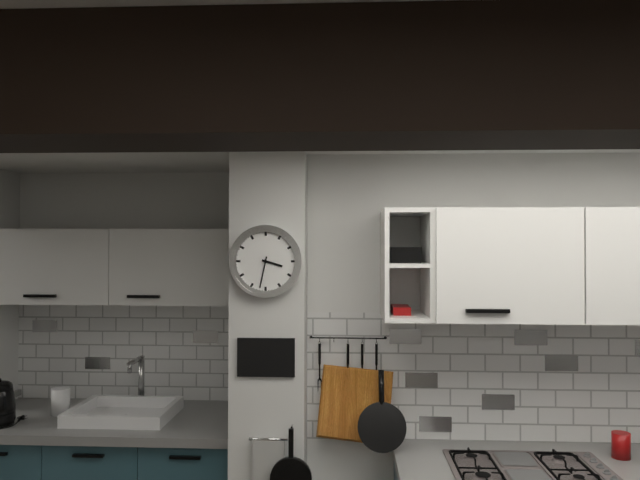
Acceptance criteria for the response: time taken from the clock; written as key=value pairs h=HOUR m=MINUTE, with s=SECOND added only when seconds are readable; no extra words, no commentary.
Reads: h=3 m=32
